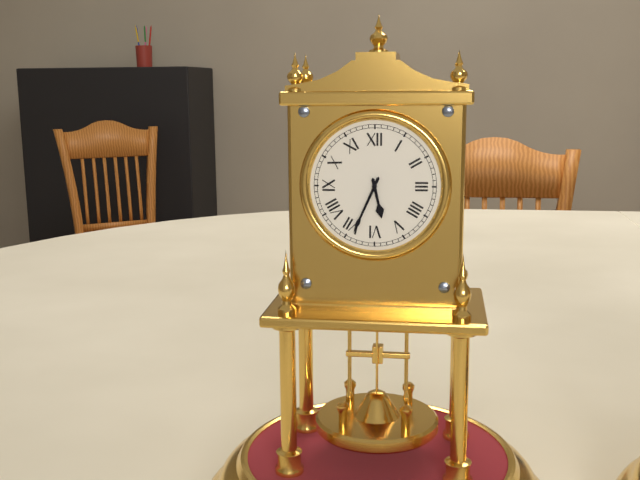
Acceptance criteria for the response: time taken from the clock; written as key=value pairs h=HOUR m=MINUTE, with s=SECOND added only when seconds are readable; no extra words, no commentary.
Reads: h=5 m=34
